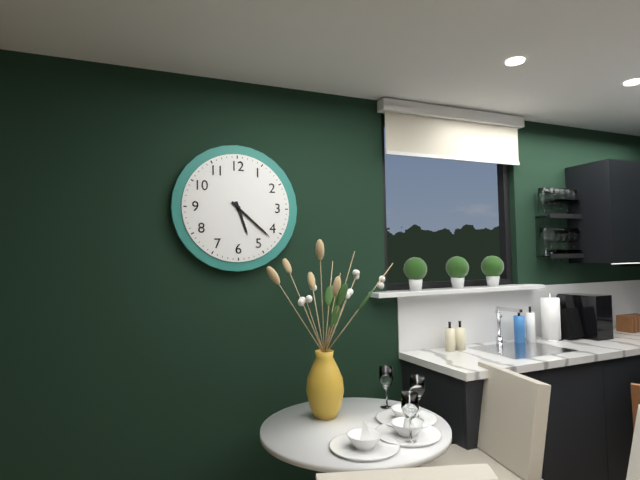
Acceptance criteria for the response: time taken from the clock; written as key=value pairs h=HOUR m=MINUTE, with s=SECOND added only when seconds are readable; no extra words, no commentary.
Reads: h=5 m=22
